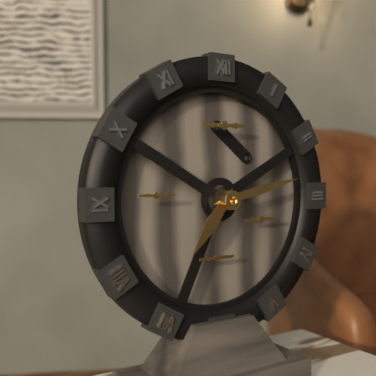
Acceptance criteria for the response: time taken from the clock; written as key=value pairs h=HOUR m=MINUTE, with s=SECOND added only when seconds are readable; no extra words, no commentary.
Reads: h=7 m=13
